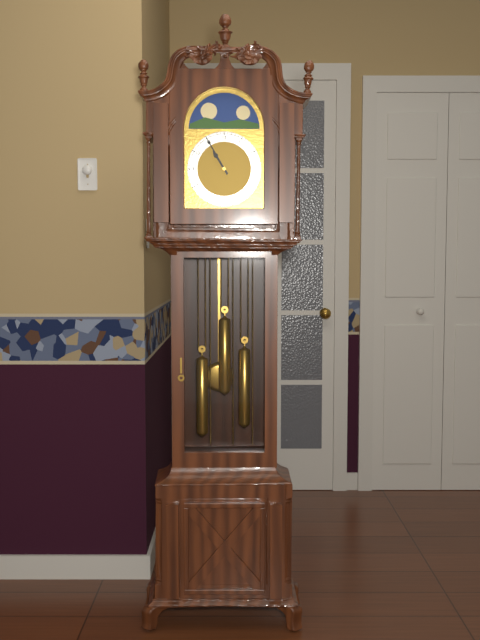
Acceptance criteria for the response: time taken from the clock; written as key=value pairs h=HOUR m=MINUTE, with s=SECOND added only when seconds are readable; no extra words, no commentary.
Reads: h=10 m=55
